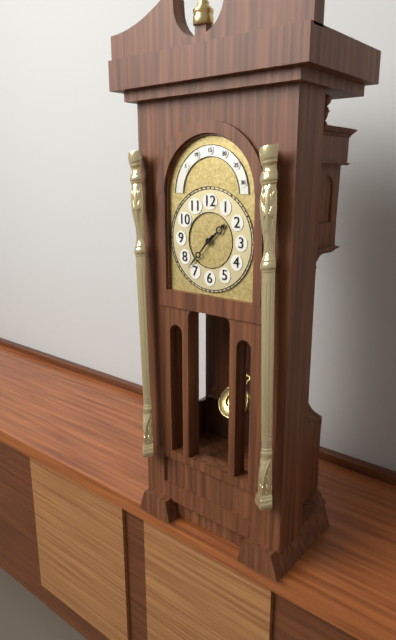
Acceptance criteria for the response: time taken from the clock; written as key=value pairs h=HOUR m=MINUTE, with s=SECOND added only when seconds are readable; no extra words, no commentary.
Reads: h=1 m=37
